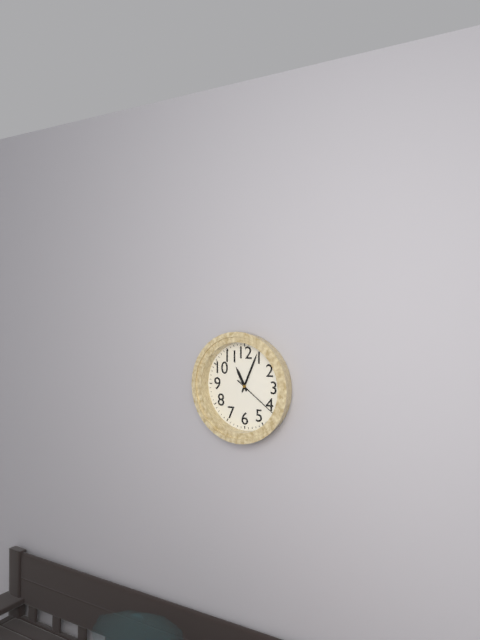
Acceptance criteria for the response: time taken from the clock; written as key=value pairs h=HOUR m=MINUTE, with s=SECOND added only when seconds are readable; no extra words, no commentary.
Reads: h=11 m=4
